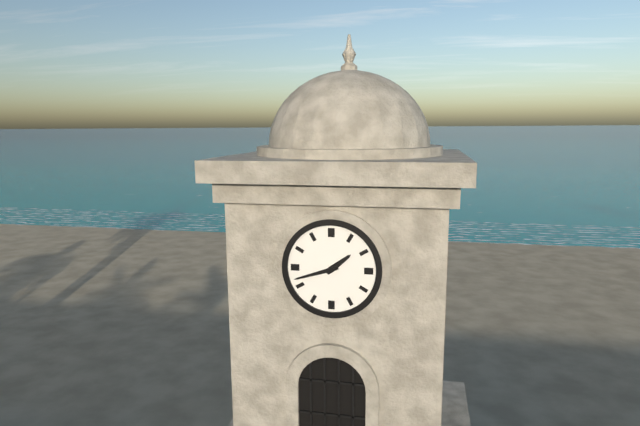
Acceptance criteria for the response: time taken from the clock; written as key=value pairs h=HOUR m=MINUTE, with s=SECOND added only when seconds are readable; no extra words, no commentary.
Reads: h=1 m=42
